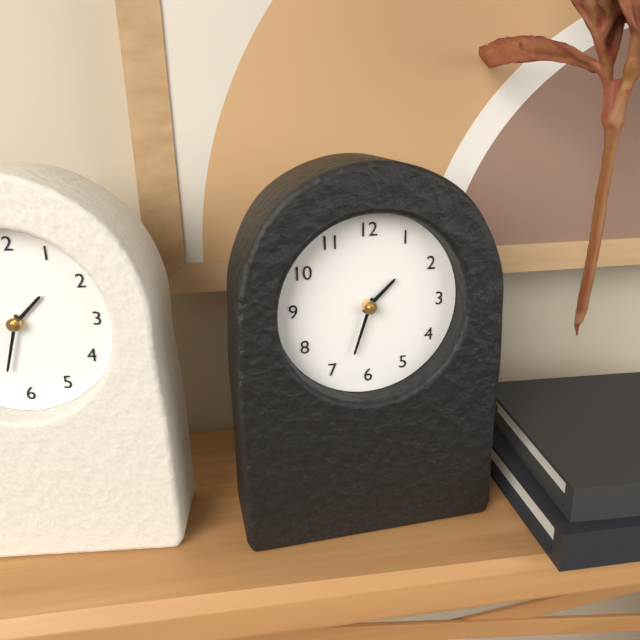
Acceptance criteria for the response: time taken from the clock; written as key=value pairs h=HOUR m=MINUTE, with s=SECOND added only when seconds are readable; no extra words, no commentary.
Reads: h=1 m=33
